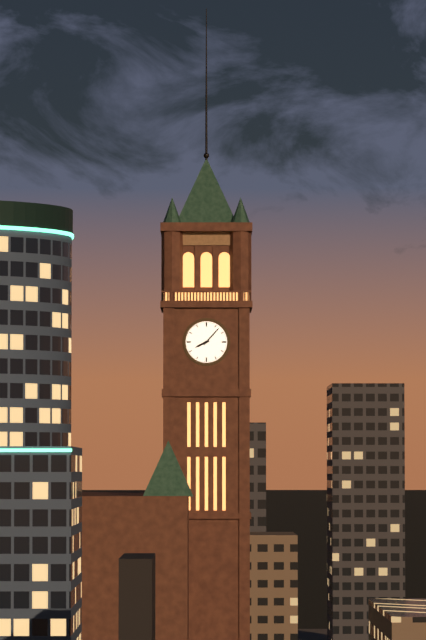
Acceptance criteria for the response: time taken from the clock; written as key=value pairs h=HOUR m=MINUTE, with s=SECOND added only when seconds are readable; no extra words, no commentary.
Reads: h=8 m=7
